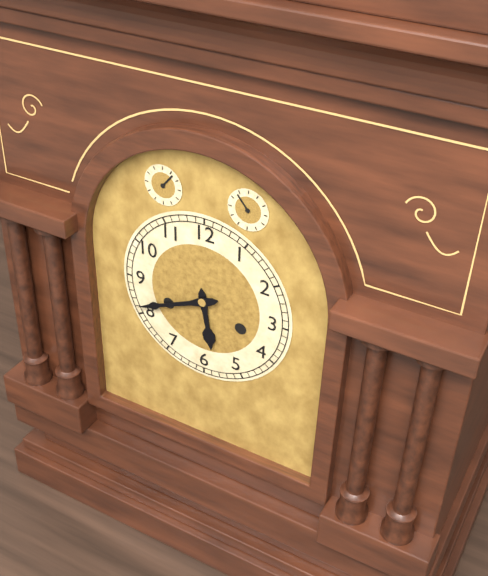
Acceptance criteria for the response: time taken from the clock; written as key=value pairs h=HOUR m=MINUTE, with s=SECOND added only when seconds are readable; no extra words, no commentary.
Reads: h=5 m=41
